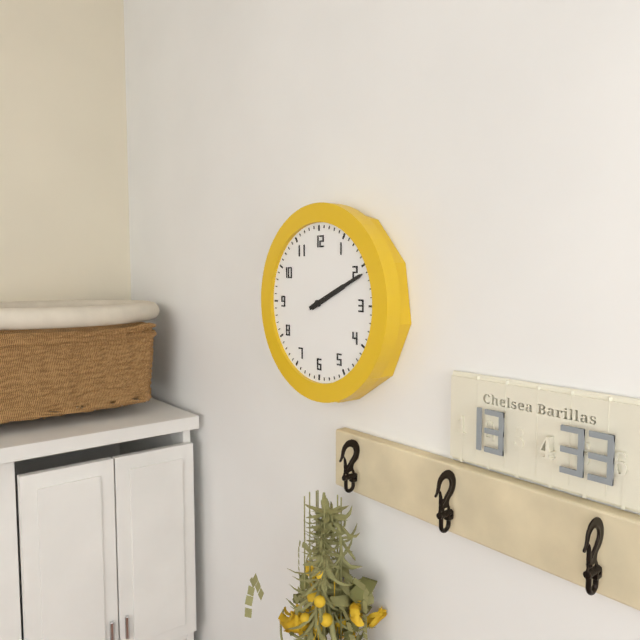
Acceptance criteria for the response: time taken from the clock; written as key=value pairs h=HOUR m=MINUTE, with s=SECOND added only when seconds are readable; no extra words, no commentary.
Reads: h=2 m=11
